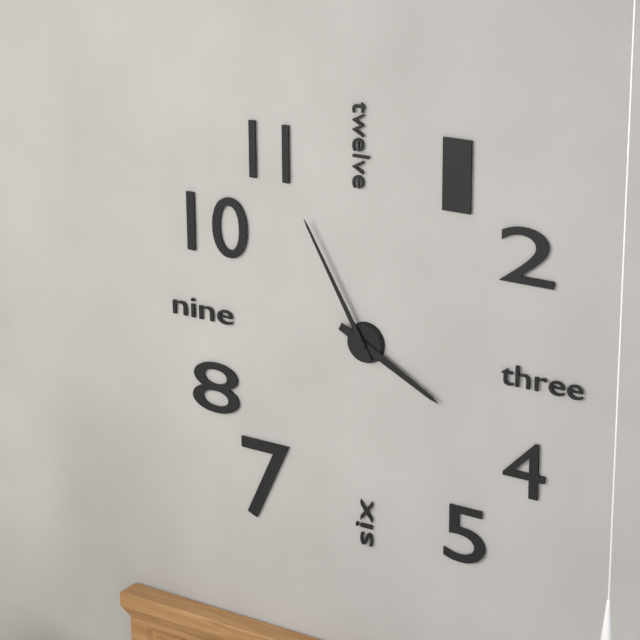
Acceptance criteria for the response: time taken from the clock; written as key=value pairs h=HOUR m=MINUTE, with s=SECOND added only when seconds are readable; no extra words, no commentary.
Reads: h=3 m=55
